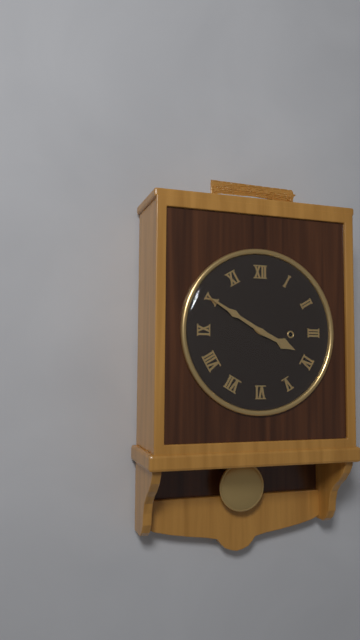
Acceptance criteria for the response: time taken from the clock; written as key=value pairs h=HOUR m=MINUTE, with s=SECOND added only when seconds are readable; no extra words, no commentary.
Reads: h=3 m=50
